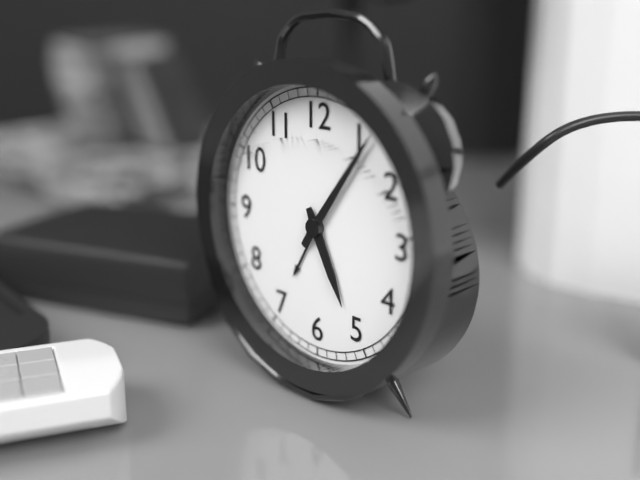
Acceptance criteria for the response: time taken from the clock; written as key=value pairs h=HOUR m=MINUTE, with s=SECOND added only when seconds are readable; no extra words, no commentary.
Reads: h=5 m=6
